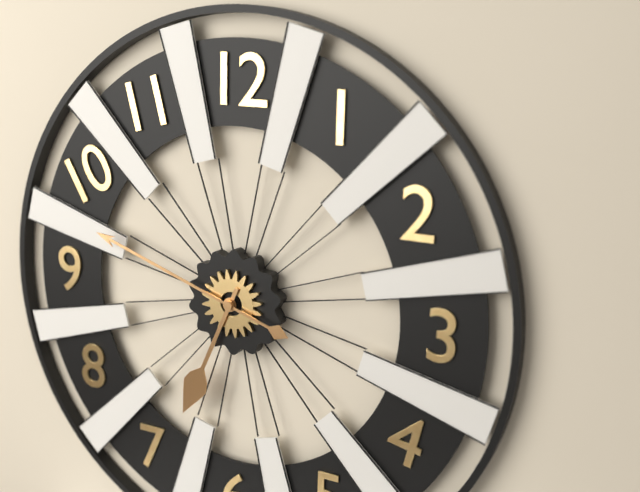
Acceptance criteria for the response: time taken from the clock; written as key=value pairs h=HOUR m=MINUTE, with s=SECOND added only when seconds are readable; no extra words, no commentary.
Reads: h=6 m=48
